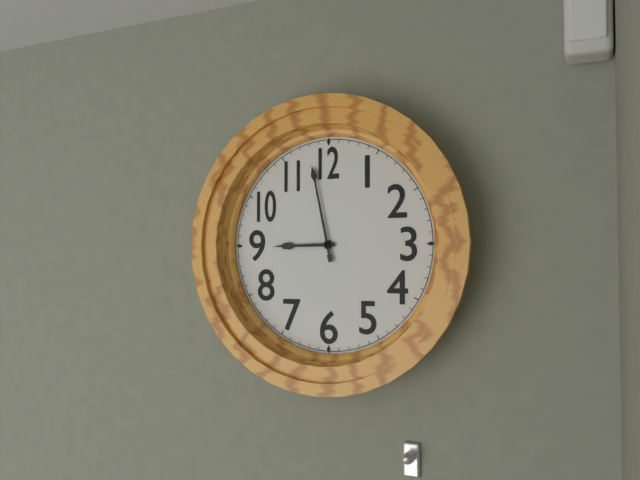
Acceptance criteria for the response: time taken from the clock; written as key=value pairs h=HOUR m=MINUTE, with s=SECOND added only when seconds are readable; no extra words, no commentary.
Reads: h=8 m=58
